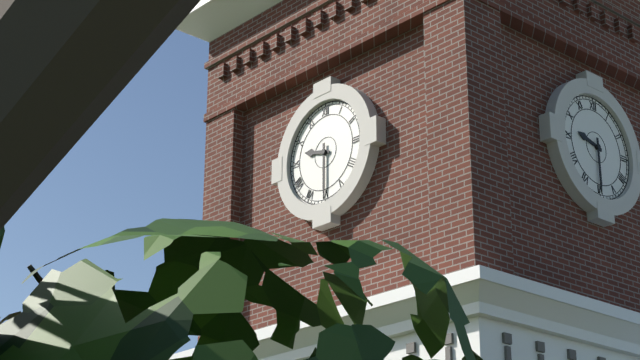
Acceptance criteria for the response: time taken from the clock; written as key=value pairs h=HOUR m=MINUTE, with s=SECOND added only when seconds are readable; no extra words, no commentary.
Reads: h=9 m=30
